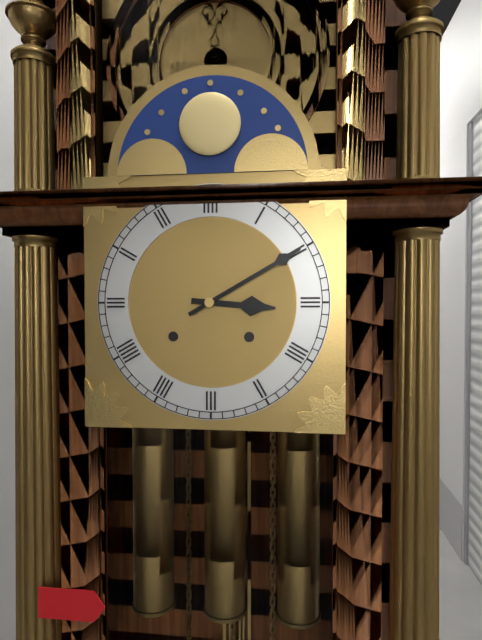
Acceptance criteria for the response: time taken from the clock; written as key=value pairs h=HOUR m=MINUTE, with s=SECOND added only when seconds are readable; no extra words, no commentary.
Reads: h=3 m=10
